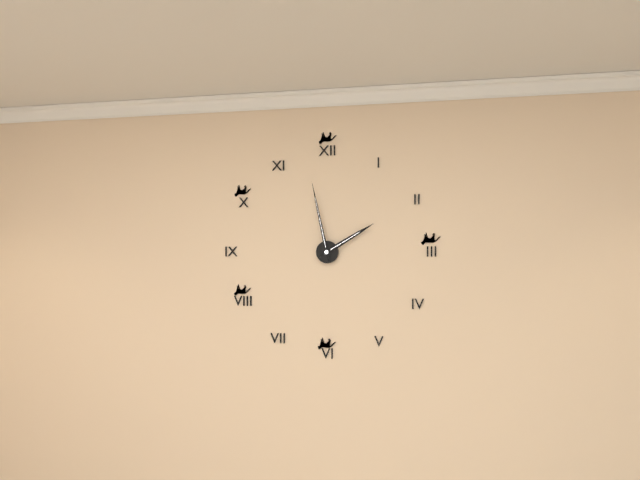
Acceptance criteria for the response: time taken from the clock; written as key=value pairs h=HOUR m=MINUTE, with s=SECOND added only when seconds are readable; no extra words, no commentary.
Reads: h=1 m=58
